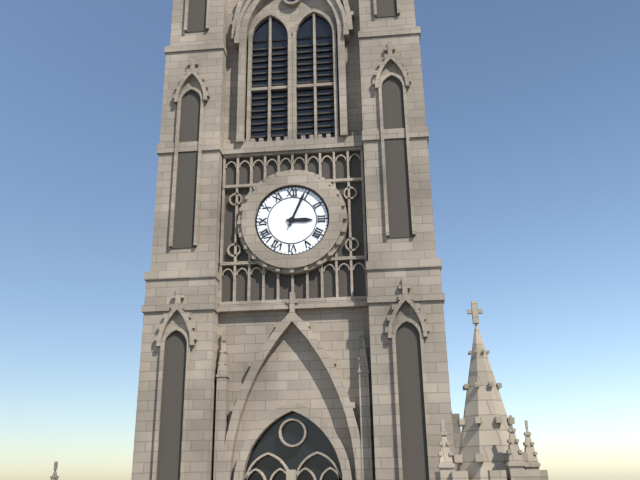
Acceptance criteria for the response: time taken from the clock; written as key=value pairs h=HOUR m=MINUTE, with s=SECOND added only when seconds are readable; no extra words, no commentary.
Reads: h=3 m=4
